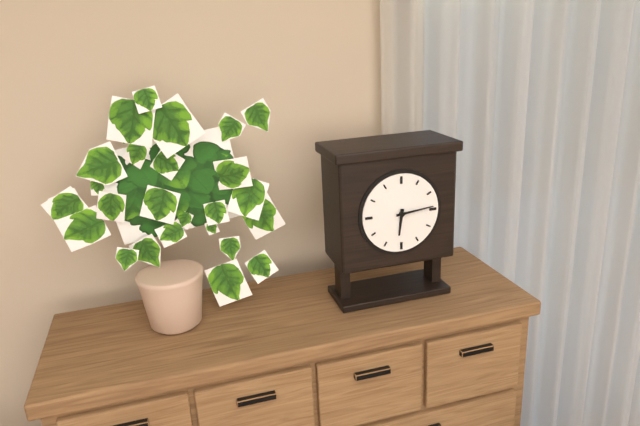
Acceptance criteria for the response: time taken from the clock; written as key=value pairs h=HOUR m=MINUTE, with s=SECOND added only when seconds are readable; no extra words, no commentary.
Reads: h=6 m=14
